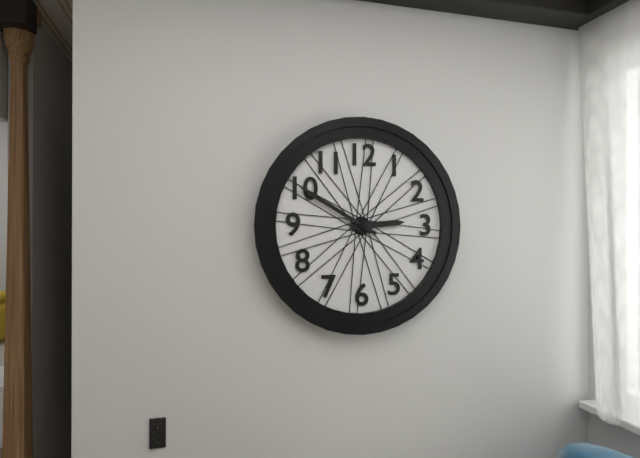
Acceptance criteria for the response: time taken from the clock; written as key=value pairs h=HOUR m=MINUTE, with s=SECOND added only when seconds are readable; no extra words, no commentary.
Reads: h=2 m=50
